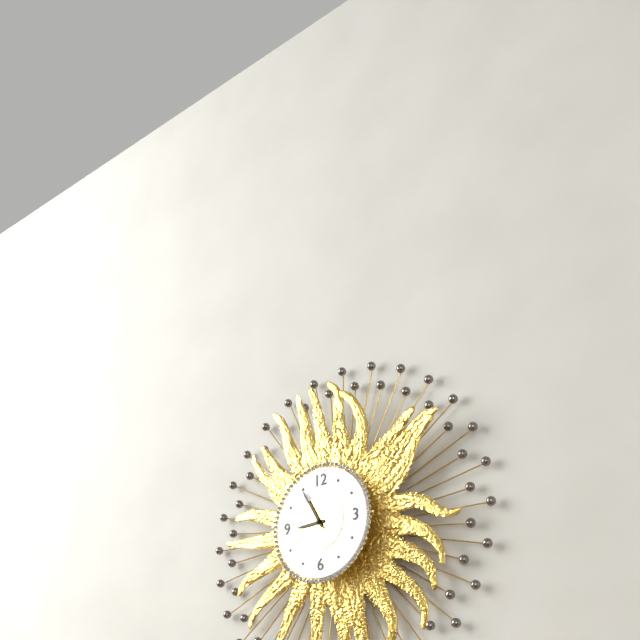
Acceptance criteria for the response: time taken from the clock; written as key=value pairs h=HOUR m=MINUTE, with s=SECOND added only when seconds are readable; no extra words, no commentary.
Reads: h=8 m=55
